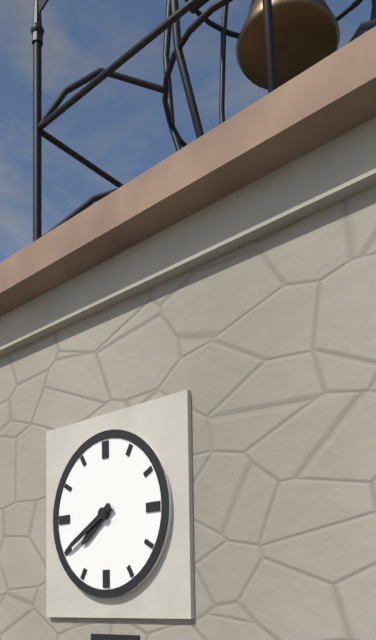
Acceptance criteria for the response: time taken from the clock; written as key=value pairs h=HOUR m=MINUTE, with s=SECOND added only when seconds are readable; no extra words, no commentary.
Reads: h=7 m=40
